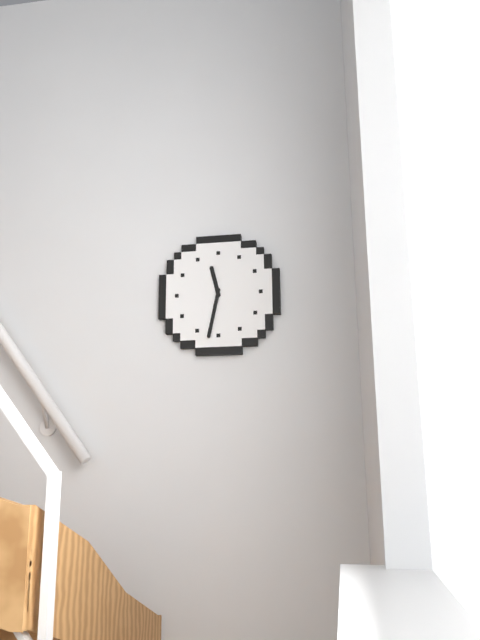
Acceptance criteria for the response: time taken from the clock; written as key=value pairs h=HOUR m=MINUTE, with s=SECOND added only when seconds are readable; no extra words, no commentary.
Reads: h=11 m=32
